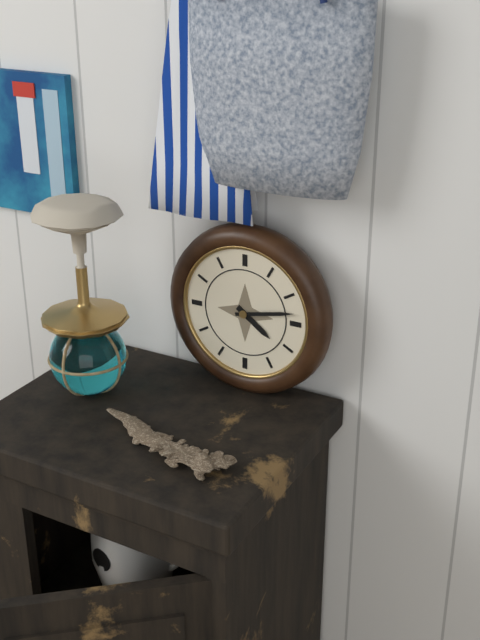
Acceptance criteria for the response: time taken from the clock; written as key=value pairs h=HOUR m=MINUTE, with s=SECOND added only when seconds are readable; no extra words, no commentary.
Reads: h=4 m=13
